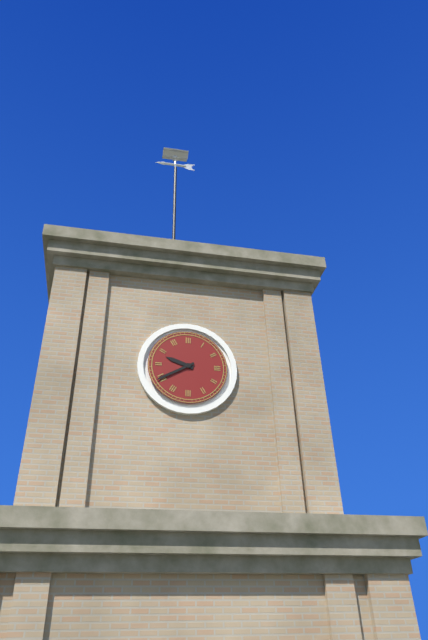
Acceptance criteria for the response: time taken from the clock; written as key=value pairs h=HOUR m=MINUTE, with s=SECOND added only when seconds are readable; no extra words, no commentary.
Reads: h=9 m=40
